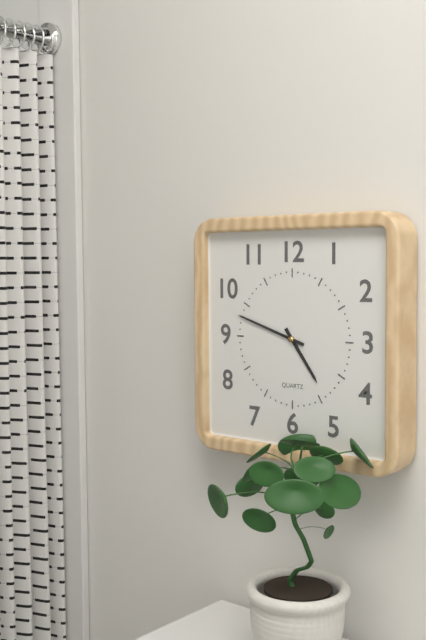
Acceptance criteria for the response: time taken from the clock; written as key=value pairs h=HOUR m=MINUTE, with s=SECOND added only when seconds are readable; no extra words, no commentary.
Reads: h=4 m=48
